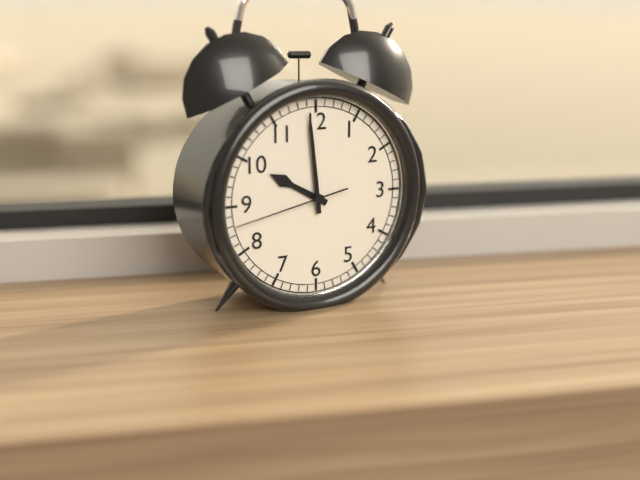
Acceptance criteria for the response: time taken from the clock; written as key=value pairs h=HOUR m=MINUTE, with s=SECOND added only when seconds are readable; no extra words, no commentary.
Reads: h=9 m=59 s=43
